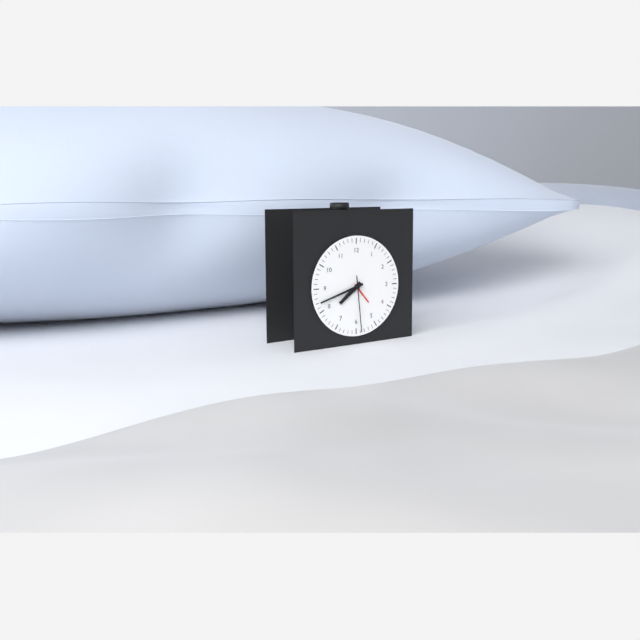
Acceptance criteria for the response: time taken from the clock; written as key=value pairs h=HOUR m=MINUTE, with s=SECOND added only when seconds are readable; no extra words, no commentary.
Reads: h=7 m=42 s=29
